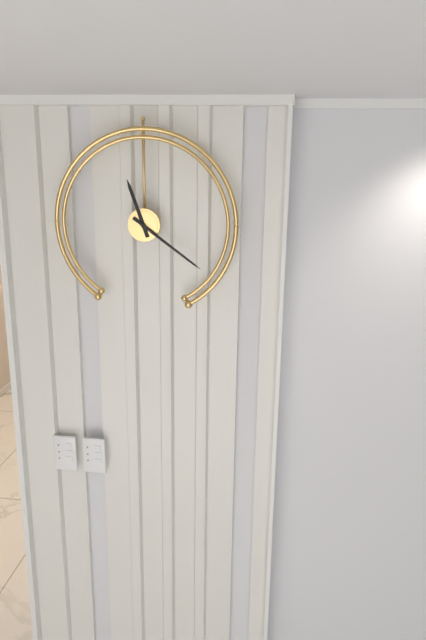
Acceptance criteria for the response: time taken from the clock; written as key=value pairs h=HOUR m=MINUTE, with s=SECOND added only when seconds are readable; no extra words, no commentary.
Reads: h=11 m=21
